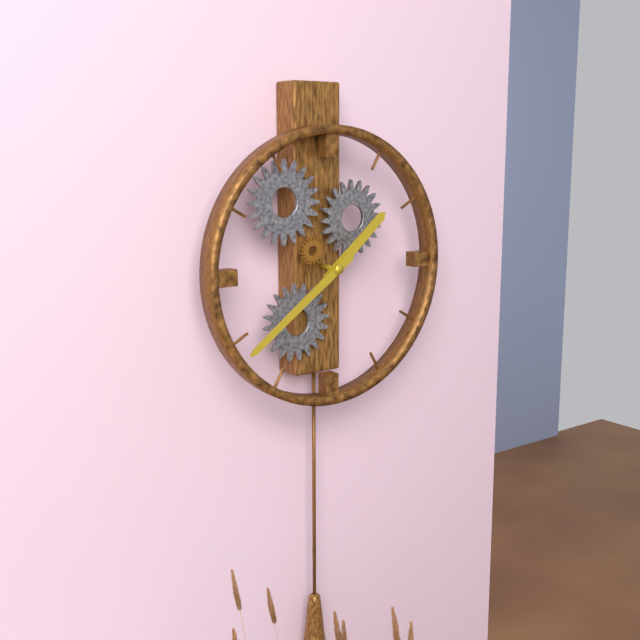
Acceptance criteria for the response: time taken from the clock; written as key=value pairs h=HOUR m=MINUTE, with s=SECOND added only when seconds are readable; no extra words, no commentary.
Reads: h=1 m=39
